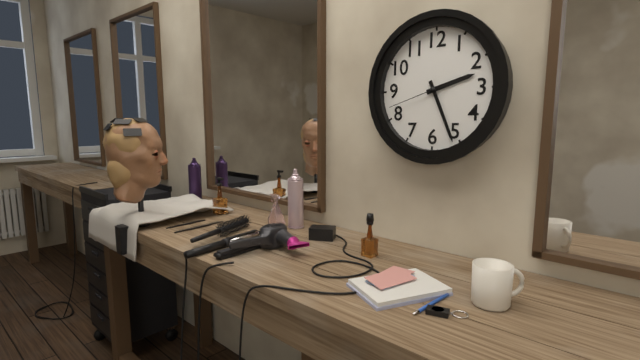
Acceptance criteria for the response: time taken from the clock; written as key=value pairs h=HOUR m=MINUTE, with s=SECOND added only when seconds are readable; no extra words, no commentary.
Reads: h=2 m=26 s=42
